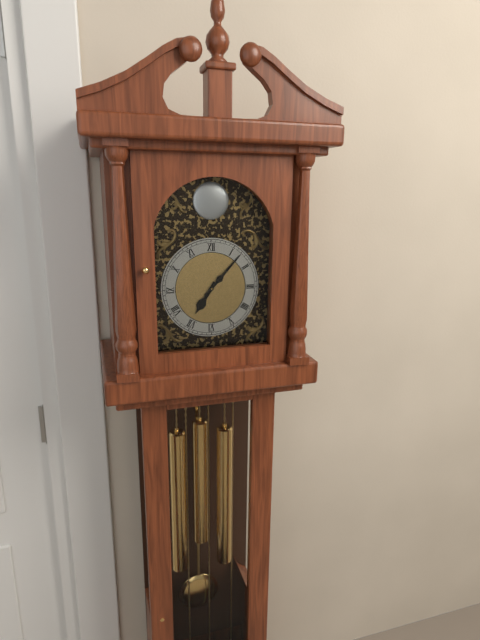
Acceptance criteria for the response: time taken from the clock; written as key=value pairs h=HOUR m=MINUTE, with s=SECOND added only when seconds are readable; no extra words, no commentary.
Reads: h=7 m=7
